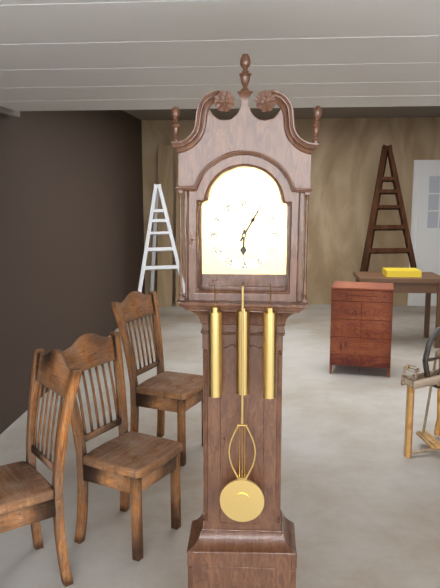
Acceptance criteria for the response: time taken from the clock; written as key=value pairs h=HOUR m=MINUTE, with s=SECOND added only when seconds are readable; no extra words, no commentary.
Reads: h=6 m=5
